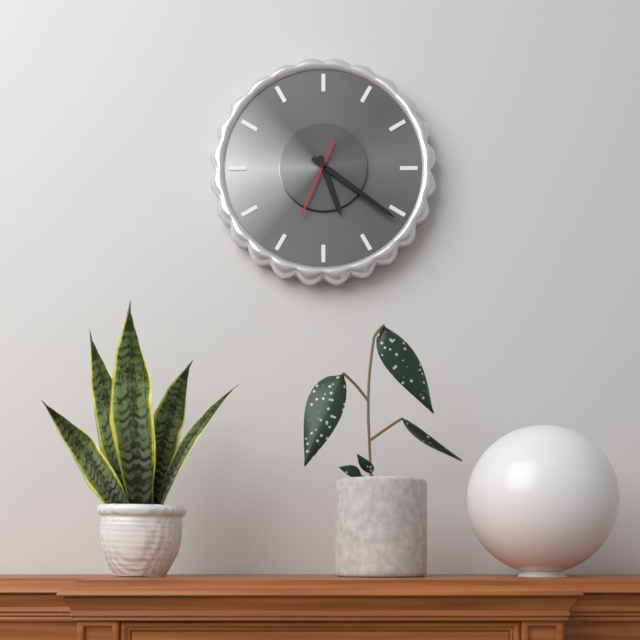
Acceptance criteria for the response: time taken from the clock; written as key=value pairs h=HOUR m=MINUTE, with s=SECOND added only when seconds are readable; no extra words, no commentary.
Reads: h=5 m=21 s=34
